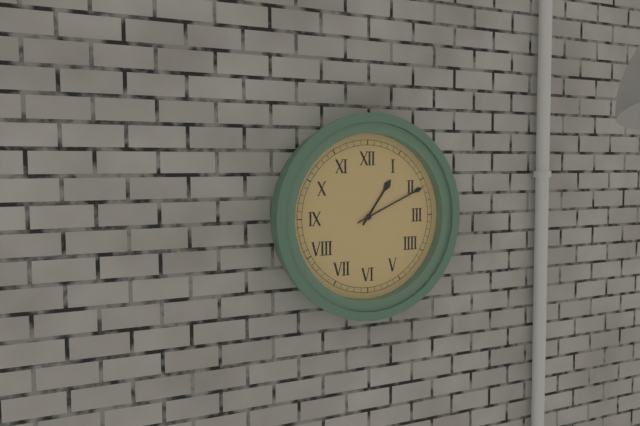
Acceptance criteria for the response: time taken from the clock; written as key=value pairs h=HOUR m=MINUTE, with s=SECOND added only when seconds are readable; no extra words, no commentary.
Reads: h=1 m=11
